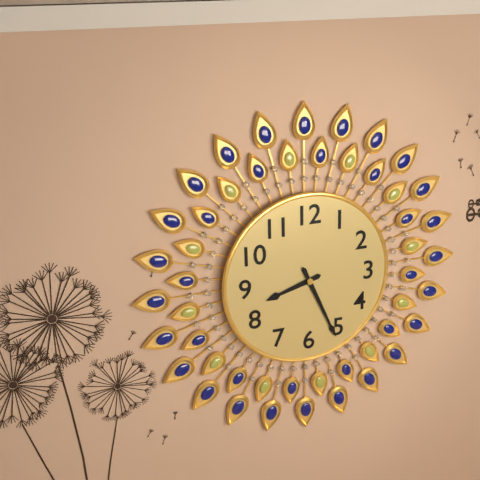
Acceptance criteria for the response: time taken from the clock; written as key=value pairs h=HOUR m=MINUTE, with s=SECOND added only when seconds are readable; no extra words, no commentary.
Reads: h=8 m=26
